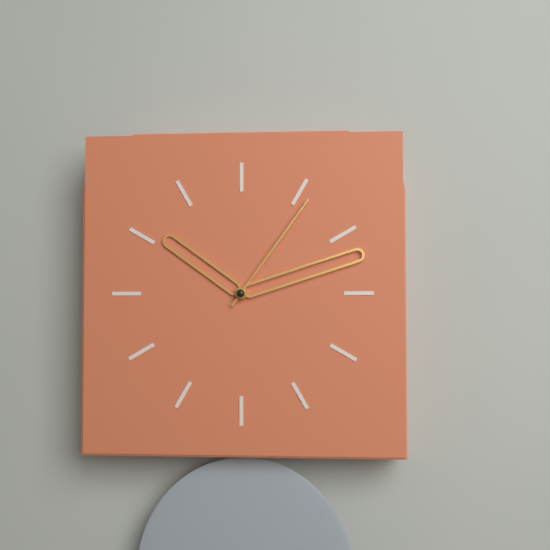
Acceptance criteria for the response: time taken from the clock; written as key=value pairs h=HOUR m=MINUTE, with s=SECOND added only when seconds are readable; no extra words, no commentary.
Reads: h=10 m=12 s=6
